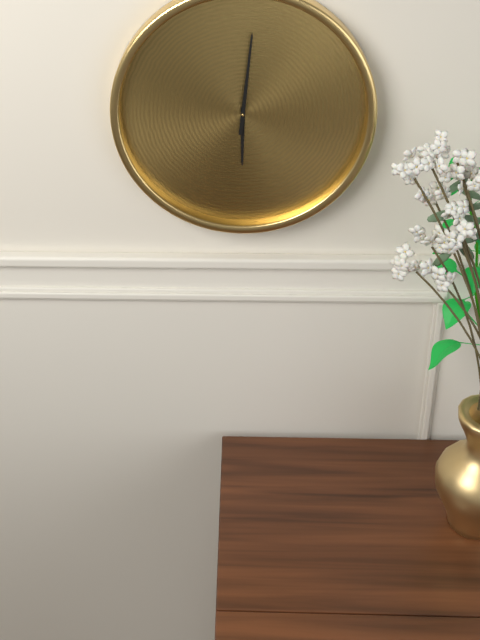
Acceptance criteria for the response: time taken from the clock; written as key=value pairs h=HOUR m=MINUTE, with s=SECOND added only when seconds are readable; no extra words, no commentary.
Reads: h=6 m=1
